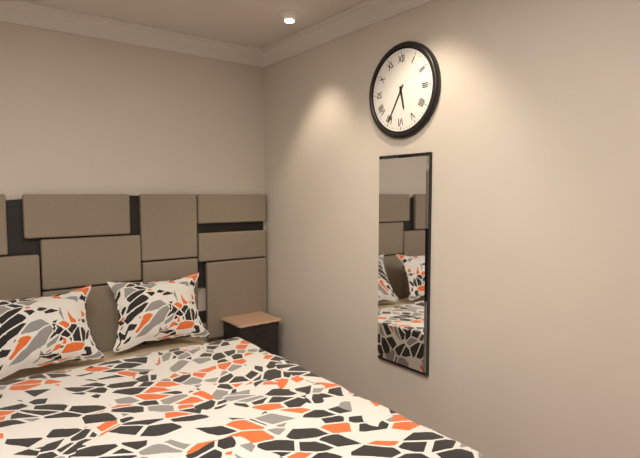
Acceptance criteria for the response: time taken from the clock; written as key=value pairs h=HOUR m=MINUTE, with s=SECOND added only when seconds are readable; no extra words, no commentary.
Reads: h=5 m=35
